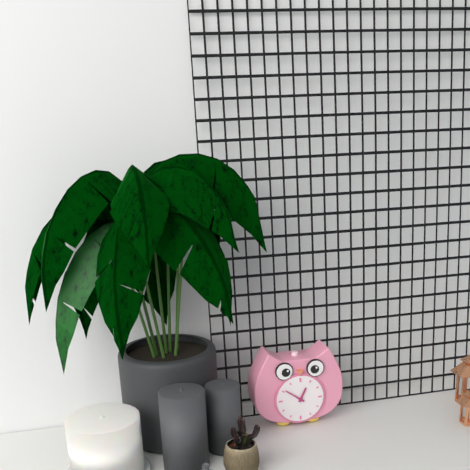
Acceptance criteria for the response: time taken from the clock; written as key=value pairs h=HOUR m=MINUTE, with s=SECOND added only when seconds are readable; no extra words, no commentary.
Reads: h=12 m=51
